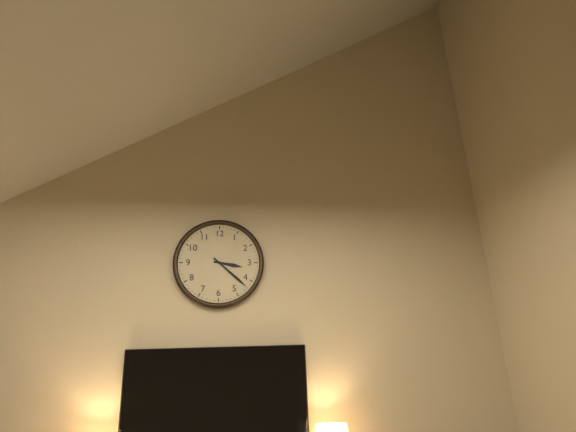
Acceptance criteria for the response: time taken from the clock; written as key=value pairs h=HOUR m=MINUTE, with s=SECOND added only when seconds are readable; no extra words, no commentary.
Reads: h=3 m=22
